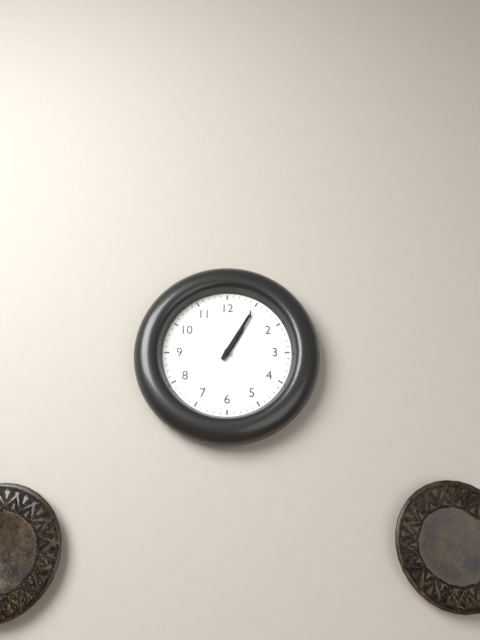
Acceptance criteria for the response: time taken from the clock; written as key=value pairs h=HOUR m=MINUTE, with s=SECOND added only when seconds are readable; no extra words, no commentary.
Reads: h=1 m=5
